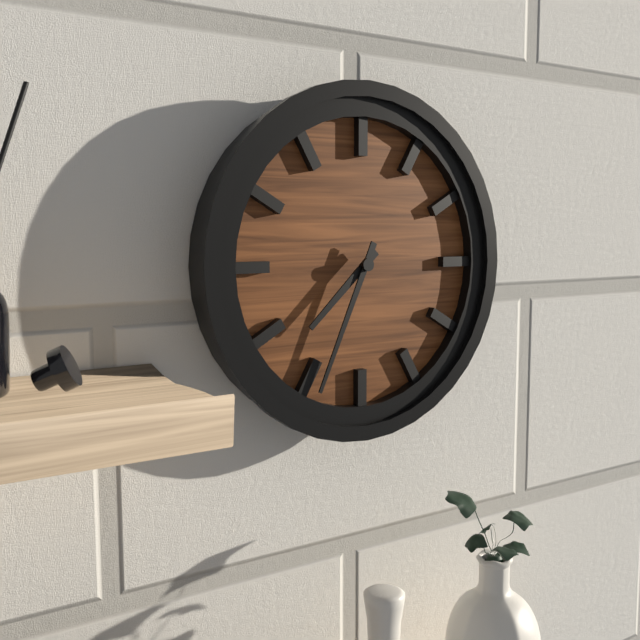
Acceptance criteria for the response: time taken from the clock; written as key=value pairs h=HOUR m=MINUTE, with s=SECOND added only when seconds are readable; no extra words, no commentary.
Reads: h=7 m=34
